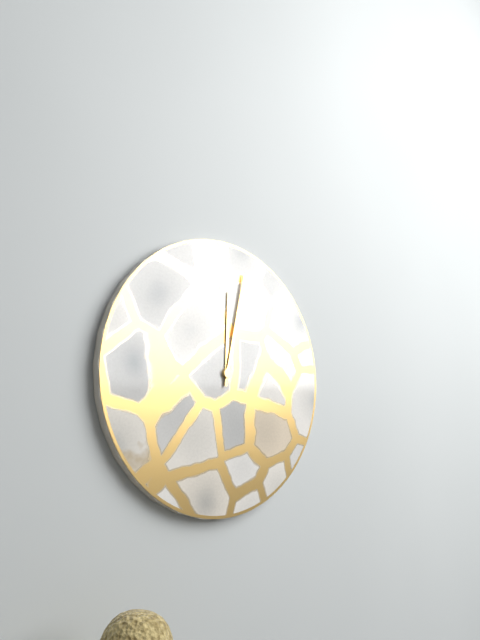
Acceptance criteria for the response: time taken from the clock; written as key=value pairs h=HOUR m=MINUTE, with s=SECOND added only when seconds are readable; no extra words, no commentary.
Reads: h=12 m=2
